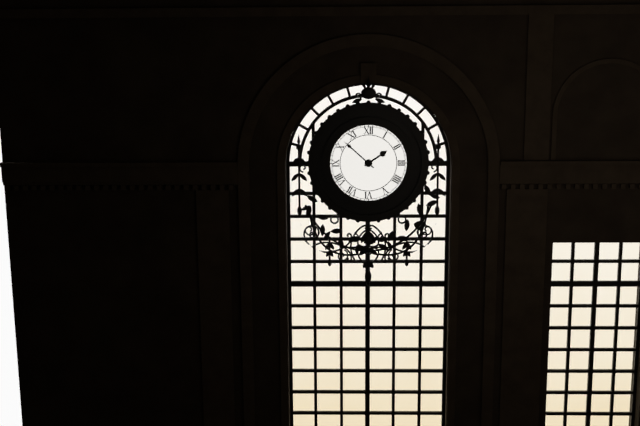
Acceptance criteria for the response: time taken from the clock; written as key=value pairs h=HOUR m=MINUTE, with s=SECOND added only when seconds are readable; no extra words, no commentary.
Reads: h=1 m=52
